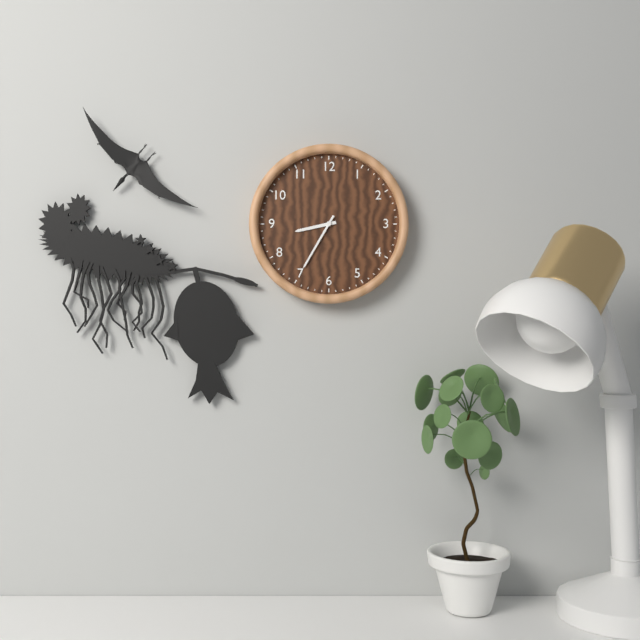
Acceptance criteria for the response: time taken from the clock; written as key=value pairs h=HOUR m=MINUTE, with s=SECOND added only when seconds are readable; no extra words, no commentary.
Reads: h=8 m=35
